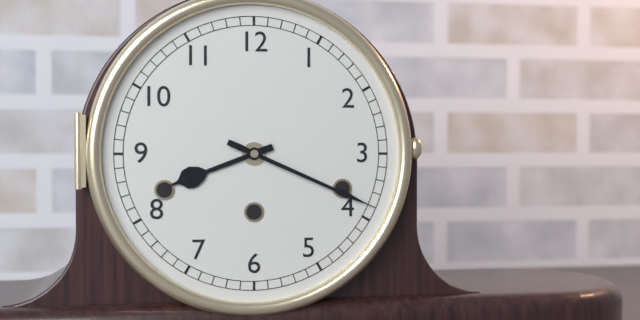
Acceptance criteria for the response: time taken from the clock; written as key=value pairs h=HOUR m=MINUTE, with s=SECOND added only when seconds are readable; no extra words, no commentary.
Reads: h=8 m=19
